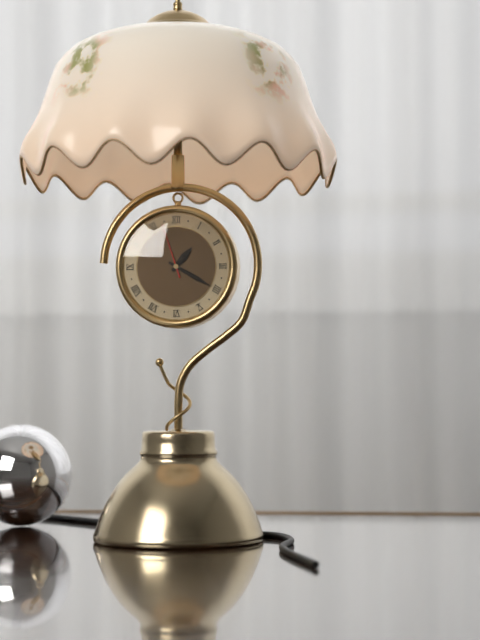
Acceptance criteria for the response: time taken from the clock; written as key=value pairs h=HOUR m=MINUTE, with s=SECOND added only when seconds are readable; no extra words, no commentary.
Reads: h=1 m=20 s=57
